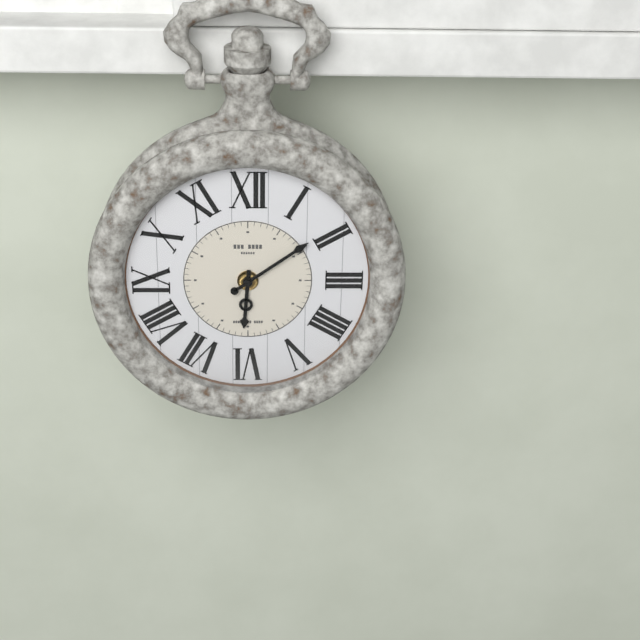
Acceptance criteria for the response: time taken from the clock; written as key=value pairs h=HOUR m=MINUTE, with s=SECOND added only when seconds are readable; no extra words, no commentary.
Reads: h=6 m=9
